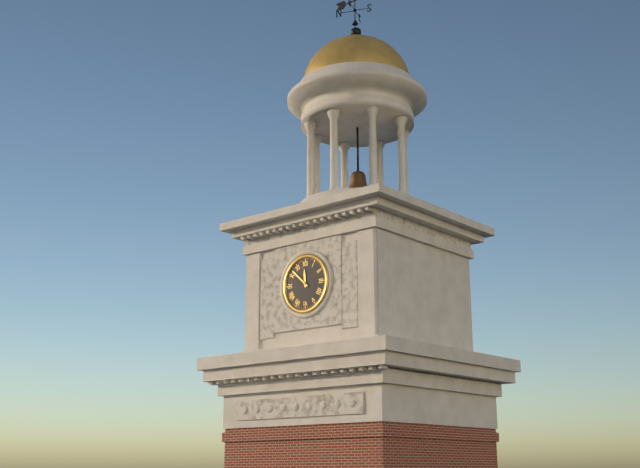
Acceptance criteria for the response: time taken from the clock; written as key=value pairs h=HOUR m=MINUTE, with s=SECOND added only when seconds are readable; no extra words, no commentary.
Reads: h=11 m=52
